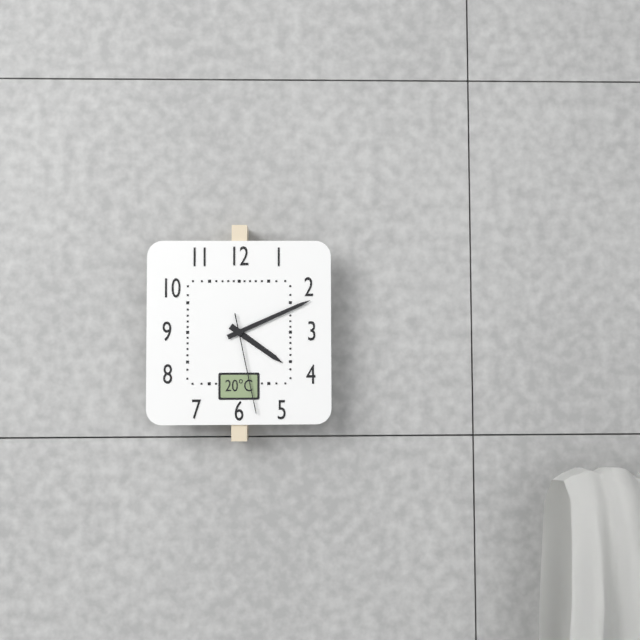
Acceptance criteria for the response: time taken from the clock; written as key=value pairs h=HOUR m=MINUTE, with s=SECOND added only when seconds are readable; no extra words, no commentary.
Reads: h=4 m=11 s=28
